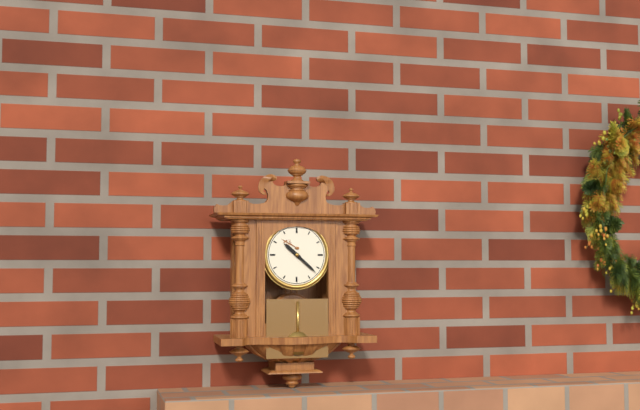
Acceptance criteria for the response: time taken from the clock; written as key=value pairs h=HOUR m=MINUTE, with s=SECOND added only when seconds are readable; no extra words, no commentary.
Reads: h=10 m=22
